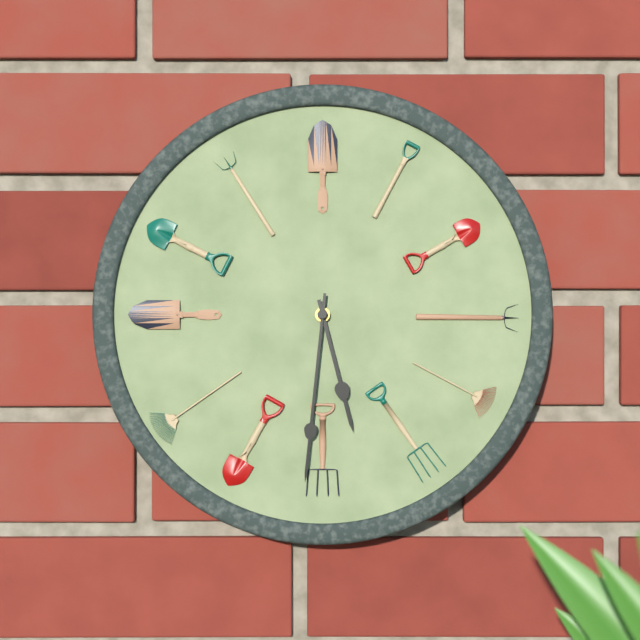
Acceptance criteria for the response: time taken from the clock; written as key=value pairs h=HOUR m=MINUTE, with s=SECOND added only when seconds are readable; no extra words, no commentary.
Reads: h=5 m=31
